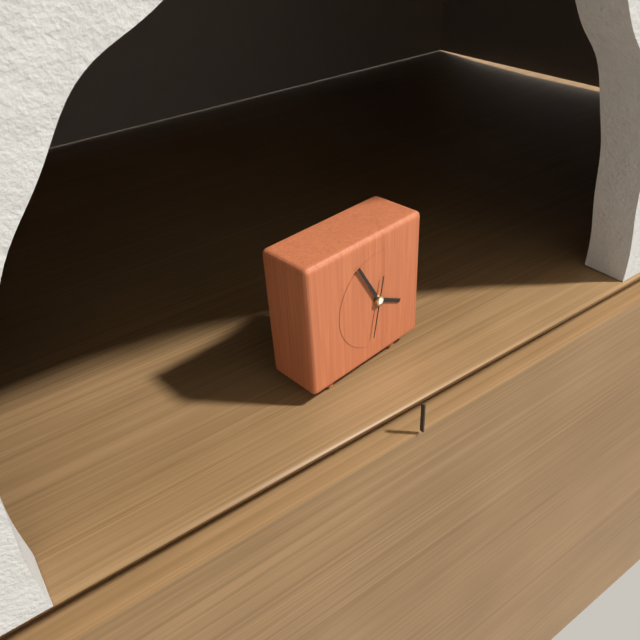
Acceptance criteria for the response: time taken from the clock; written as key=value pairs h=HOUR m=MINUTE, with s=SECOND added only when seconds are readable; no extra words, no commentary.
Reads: h=3 m=55
